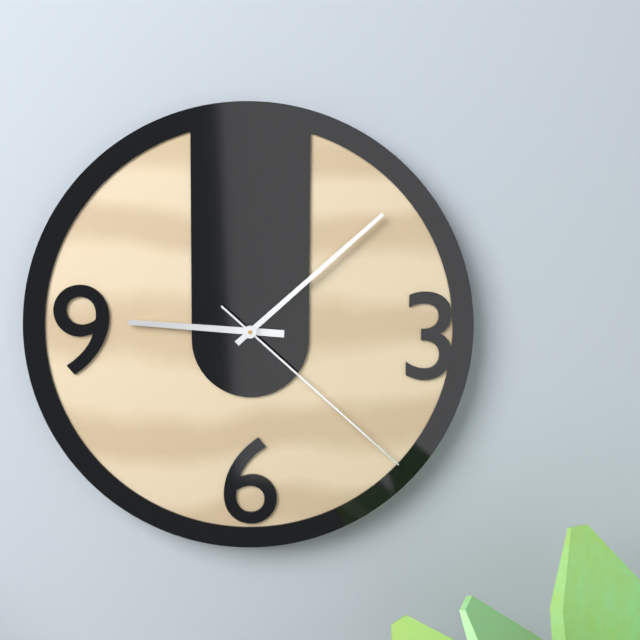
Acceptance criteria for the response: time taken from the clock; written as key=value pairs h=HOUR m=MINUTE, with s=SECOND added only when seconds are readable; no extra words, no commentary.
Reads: h=9 m=8 s=22
